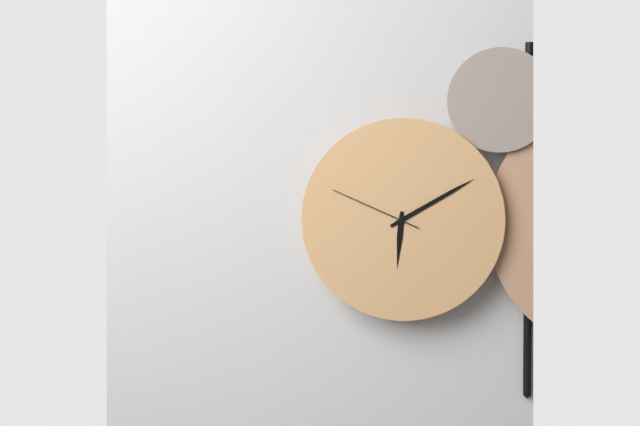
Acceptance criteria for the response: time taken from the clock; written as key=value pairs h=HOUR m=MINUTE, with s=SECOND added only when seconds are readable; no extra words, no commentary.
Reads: h=6 m=10 s=49
